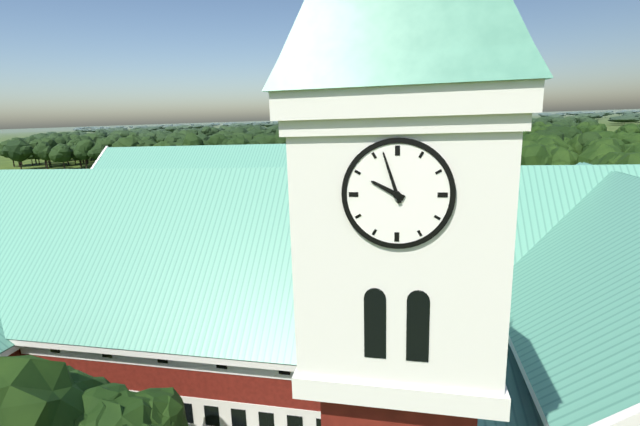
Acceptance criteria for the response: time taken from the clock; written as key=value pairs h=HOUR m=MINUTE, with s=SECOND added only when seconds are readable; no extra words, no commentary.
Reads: h=9 m=57
